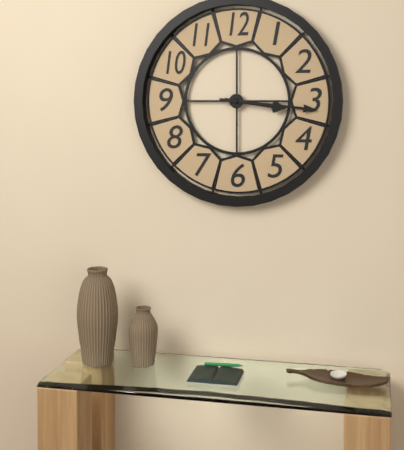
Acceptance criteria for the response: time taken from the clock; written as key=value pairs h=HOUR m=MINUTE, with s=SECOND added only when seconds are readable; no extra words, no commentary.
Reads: h=3 m=16
